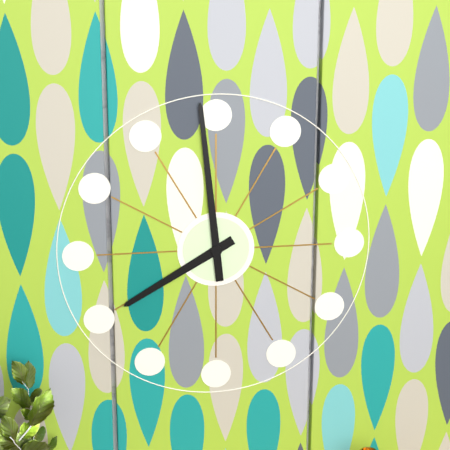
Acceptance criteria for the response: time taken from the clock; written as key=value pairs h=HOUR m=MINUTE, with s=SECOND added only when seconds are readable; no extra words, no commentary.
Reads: h=7 m=59
